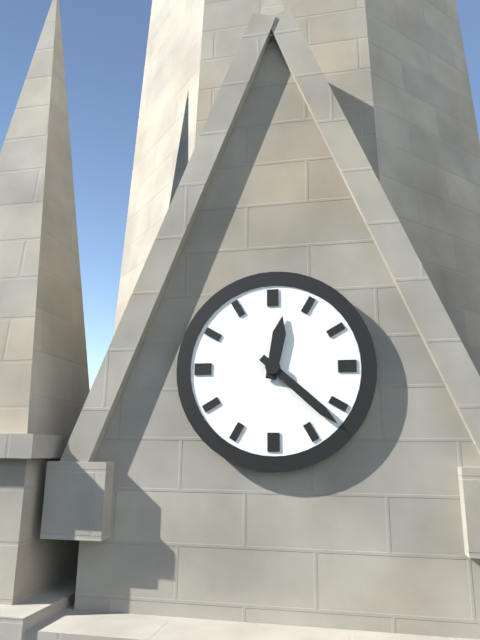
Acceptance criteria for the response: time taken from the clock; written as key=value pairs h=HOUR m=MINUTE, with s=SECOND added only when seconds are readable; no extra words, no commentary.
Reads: h=12 m=22
